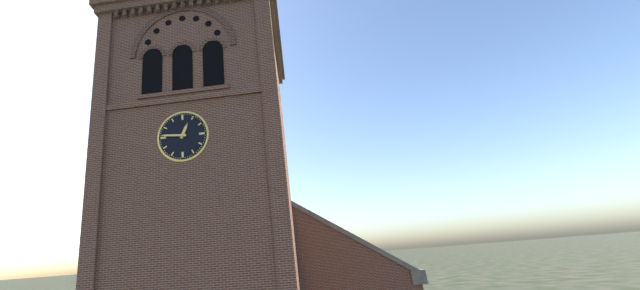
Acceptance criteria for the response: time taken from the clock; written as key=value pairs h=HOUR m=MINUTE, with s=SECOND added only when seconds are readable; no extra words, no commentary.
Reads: h=12 m=46
